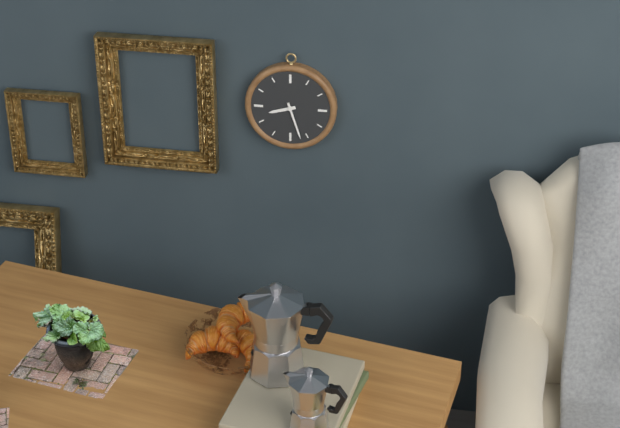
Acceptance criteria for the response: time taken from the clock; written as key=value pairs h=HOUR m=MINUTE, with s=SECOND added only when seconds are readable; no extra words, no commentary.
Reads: h=8 m=27
